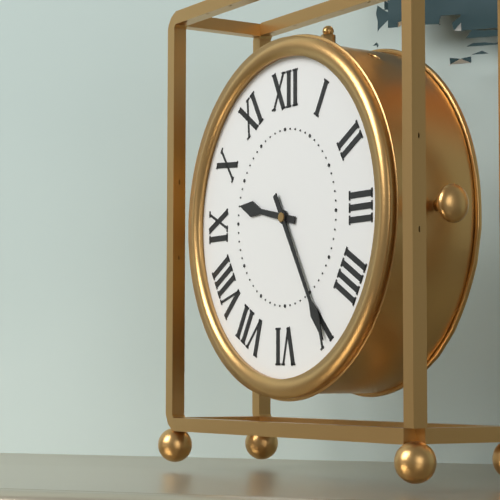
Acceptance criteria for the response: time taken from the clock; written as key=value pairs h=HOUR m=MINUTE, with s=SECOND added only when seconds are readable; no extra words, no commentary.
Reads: h=9 m=25
